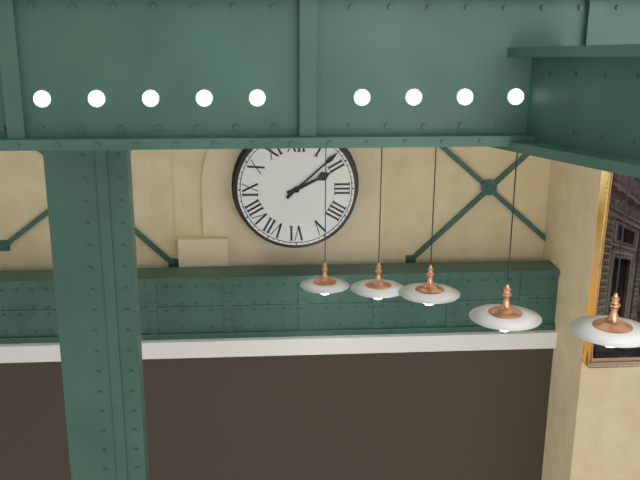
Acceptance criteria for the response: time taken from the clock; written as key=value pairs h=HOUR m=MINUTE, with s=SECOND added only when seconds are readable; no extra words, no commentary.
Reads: h=2 m=8
